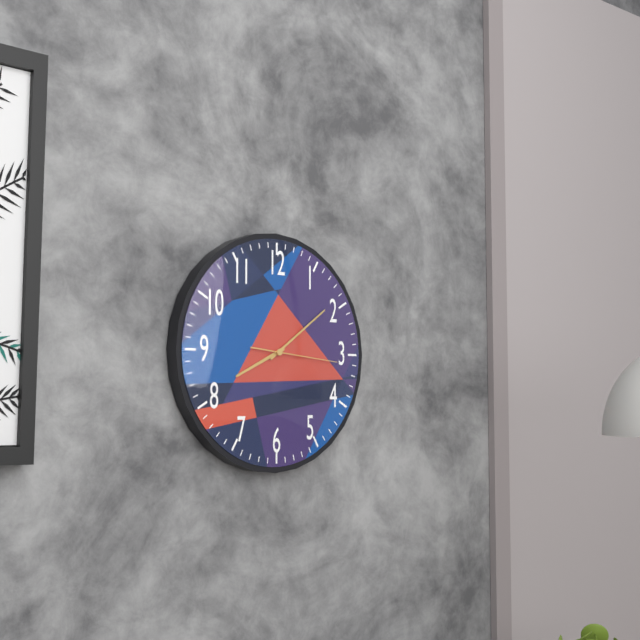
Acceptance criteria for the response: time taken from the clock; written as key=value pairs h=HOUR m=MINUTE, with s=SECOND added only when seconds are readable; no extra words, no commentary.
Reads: h=8 m=9 s=16
